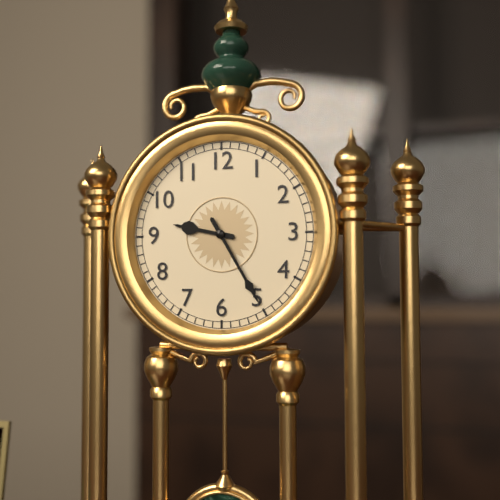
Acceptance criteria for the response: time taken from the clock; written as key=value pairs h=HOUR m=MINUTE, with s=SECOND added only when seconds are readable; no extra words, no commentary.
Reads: h=9 m=25
